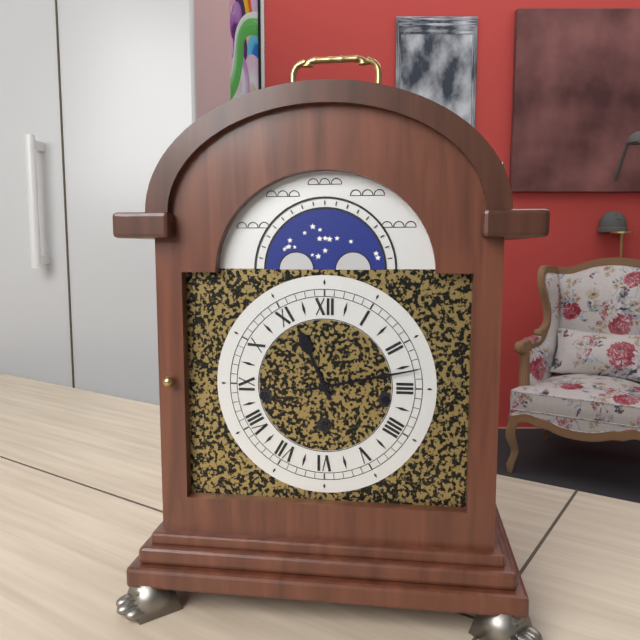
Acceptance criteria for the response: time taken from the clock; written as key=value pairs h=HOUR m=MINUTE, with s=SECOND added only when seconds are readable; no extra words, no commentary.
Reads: h=11 m=13
